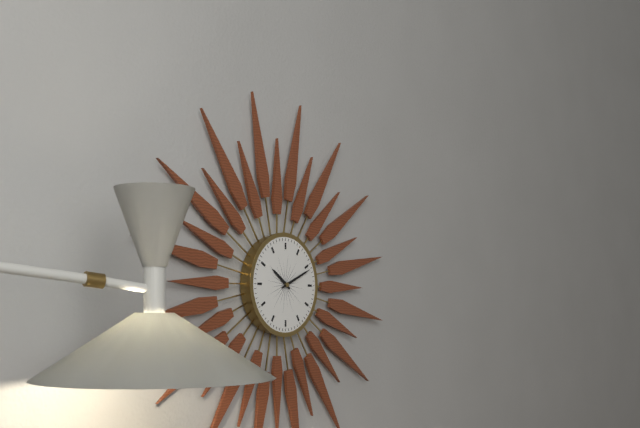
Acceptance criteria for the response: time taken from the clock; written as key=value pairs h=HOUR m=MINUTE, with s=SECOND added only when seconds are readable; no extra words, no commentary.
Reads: h=10 m=11
